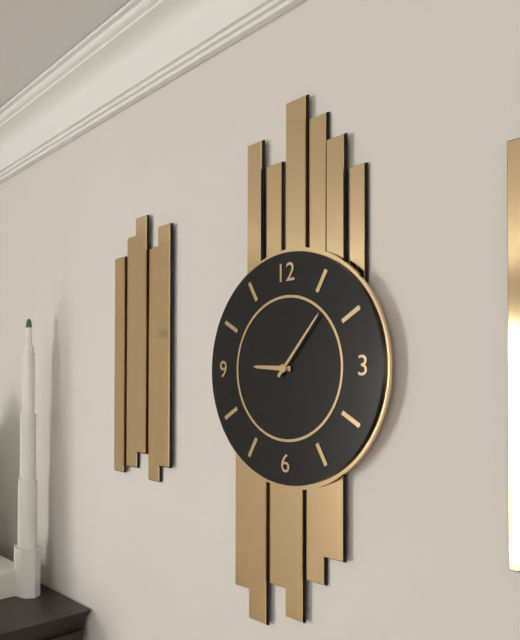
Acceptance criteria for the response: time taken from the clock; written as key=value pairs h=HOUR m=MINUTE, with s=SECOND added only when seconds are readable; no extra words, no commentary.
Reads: h=9 m=7
